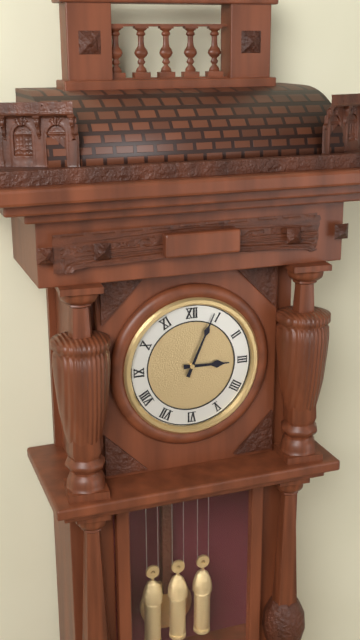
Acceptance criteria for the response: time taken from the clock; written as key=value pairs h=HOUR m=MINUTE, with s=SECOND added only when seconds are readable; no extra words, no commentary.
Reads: h=3 m=4
